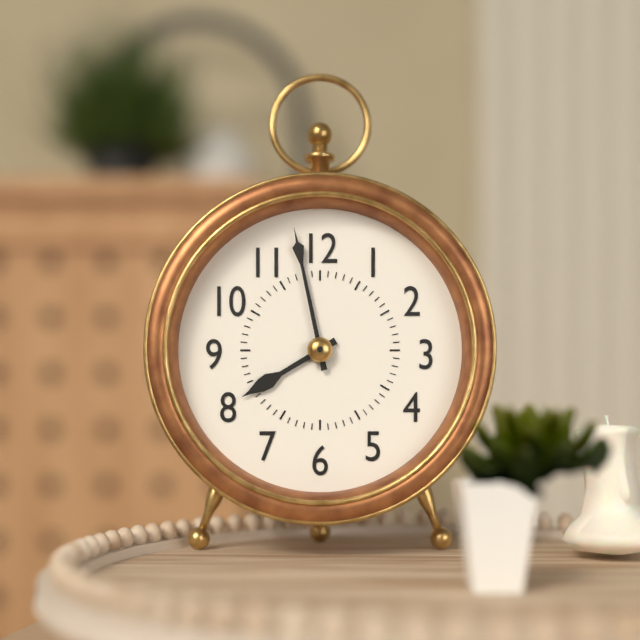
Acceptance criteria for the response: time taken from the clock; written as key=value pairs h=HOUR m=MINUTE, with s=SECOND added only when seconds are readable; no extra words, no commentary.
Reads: h=7 m=58
